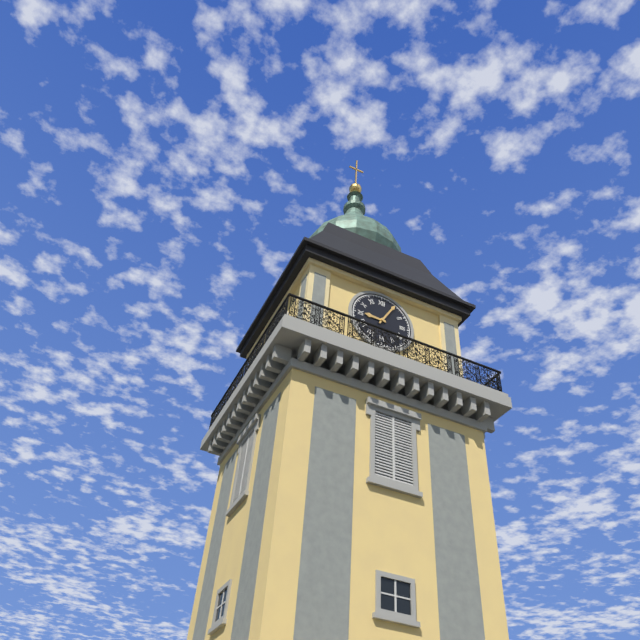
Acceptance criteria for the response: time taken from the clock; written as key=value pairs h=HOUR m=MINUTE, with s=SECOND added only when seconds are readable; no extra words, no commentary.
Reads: h=9 m=5
